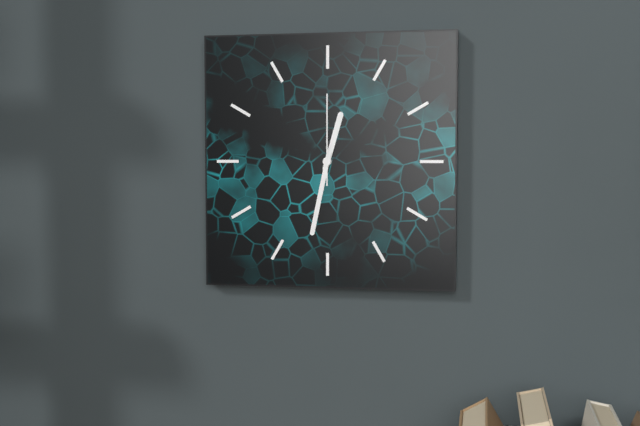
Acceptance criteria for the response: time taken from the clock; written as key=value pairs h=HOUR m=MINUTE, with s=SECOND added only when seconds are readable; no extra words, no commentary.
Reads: h=12 m=32 s=0
